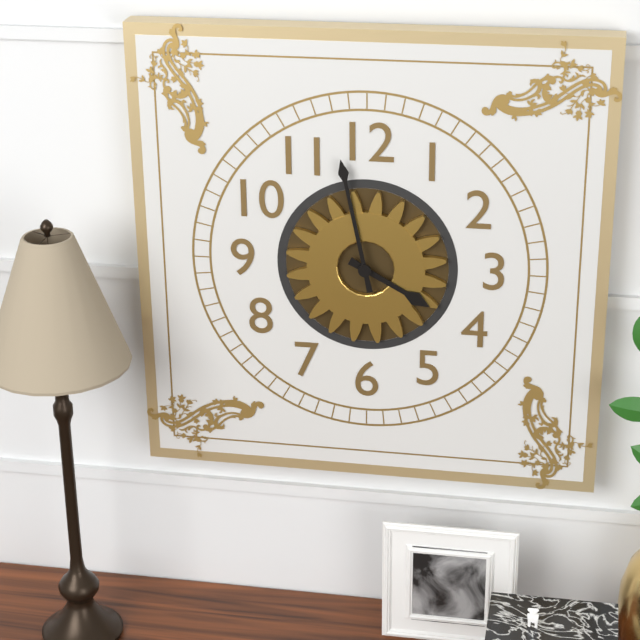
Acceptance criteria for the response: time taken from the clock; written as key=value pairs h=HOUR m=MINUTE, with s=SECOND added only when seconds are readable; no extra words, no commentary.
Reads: h=3 m=58
